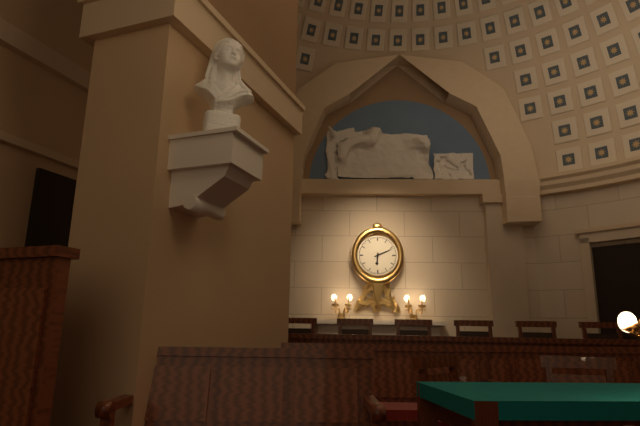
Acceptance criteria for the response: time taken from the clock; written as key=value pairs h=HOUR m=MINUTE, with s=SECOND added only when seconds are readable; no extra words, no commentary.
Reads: h=6 m=11
